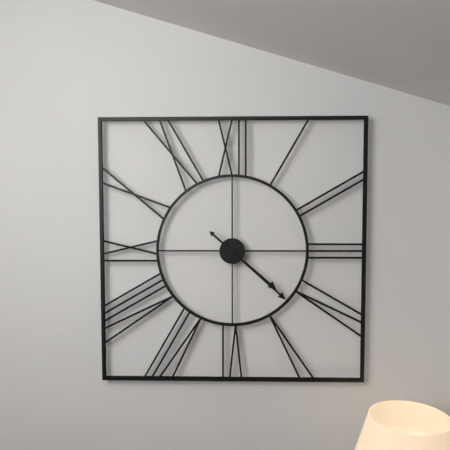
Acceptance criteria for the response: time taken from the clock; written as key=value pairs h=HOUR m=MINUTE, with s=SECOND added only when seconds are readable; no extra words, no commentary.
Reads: h=4 m=22
